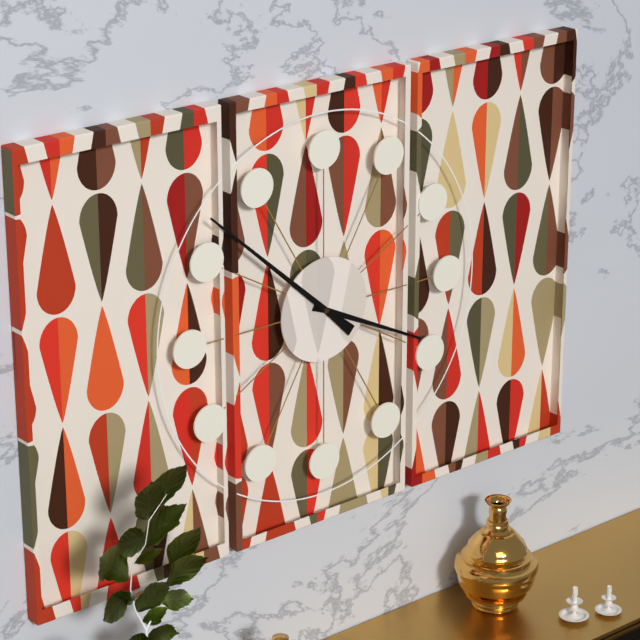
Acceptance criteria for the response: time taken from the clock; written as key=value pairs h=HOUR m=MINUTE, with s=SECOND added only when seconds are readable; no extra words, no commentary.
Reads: h=3 m=52
